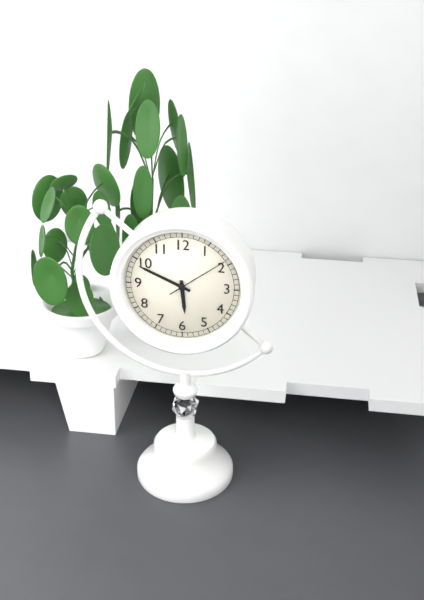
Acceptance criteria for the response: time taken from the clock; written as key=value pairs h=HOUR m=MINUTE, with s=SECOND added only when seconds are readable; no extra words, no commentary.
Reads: h=5 m=49 s=9
